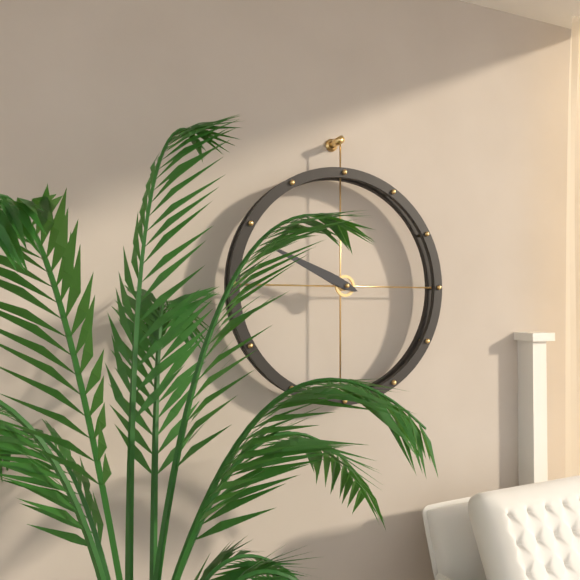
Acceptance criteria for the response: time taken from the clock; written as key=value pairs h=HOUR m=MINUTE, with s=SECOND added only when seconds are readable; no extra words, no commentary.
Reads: h=9 m=49
